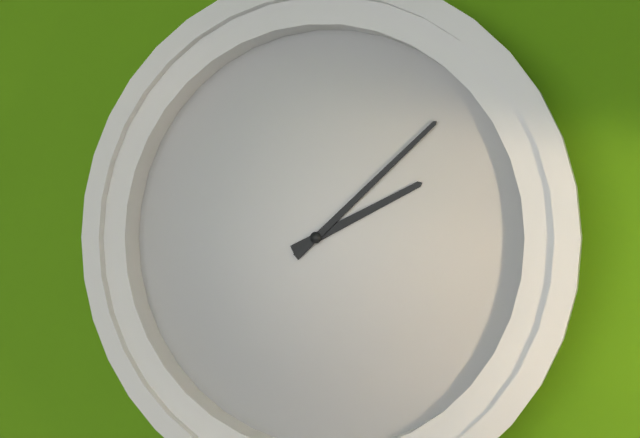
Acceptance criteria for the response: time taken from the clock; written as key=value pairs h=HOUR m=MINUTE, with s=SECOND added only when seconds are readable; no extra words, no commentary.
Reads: h=2 m=8
